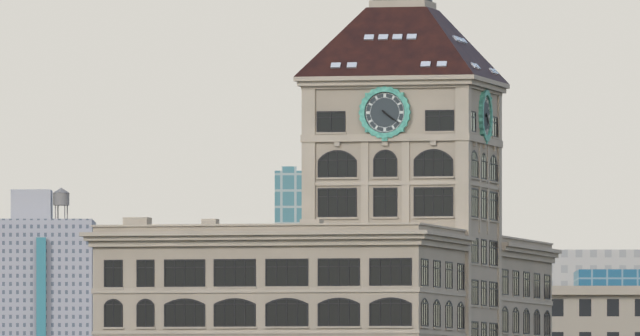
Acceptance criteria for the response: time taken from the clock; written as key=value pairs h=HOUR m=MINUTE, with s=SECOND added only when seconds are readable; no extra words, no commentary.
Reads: h=4 m=21
